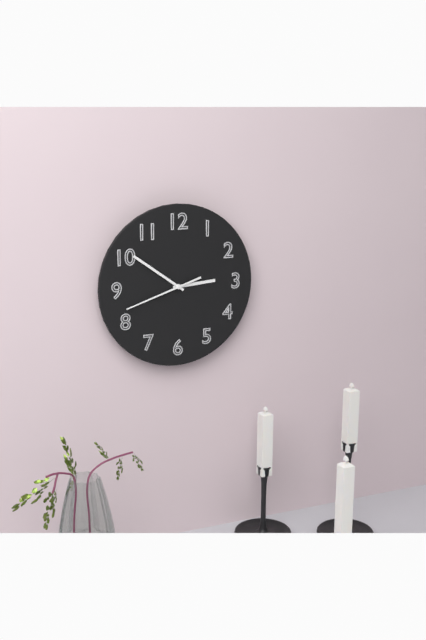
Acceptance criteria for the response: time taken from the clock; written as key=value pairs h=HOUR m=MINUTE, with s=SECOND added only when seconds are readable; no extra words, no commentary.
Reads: h=2 m=51 s=42
